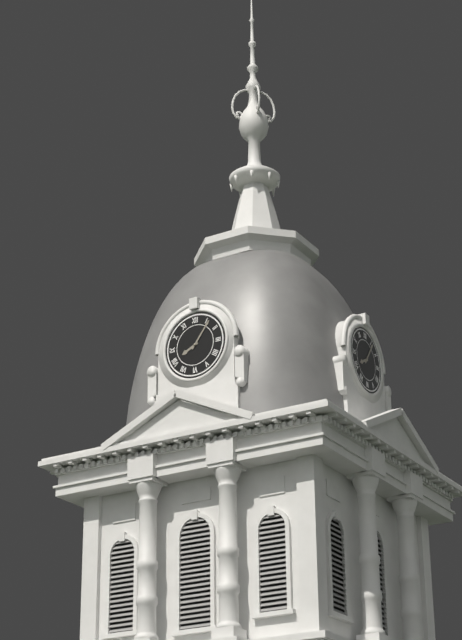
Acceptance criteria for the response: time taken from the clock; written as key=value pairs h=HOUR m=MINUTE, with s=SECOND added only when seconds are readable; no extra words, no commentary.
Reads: h=8 m=6
